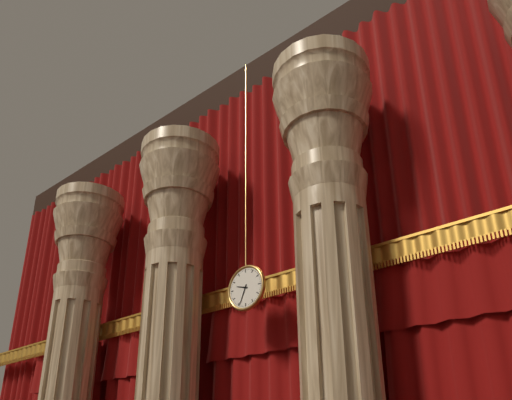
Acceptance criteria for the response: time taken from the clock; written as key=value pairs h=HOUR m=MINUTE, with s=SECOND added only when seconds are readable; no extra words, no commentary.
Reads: h=9 m=34
